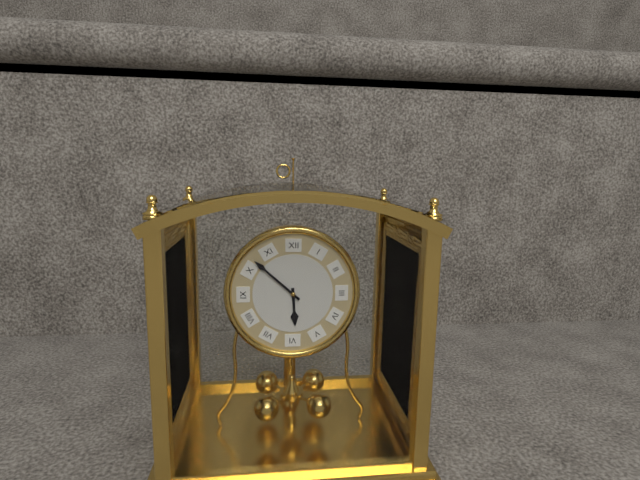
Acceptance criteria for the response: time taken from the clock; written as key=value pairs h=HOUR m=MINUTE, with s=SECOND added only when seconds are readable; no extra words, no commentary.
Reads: h=5 m=52
